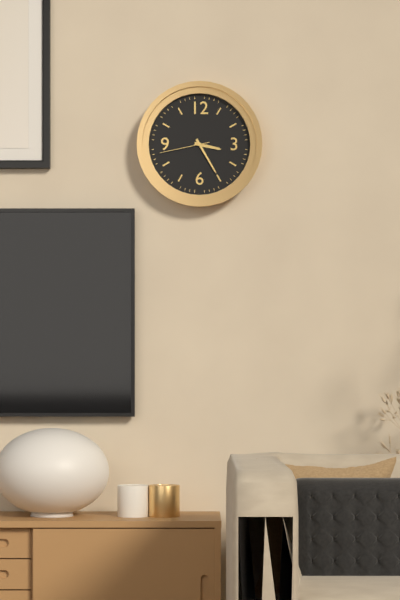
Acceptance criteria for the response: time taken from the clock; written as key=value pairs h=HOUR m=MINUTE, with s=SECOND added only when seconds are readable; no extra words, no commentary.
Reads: h=3 m=25 s=43
